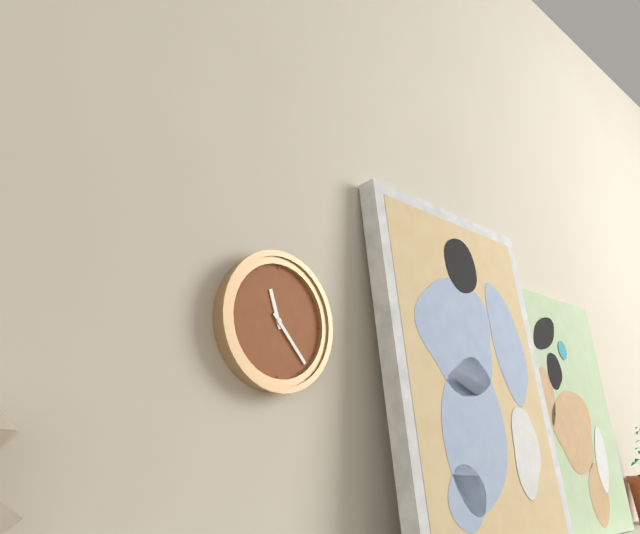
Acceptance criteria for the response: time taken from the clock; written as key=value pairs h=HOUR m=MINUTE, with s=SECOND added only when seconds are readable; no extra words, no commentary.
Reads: h=11 m=23
